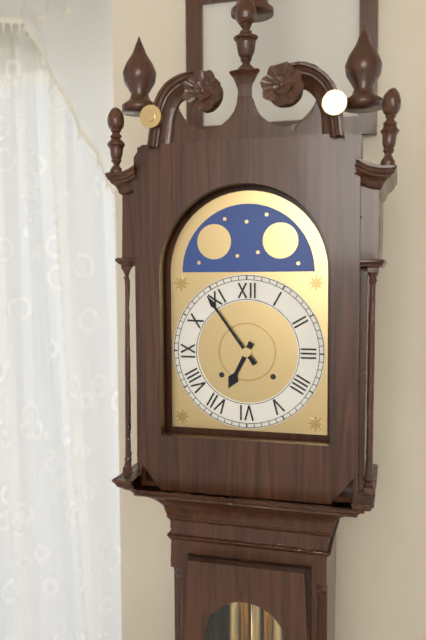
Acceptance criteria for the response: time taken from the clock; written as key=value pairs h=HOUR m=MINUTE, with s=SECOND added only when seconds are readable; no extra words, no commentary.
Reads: h=6 m=54
